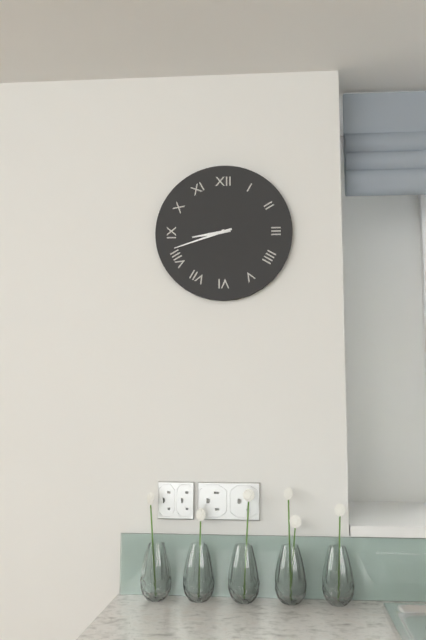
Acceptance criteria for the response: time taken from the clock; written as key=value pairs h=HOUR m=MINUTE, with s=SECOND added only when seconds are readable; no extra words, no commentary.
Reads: h=8 m=42
